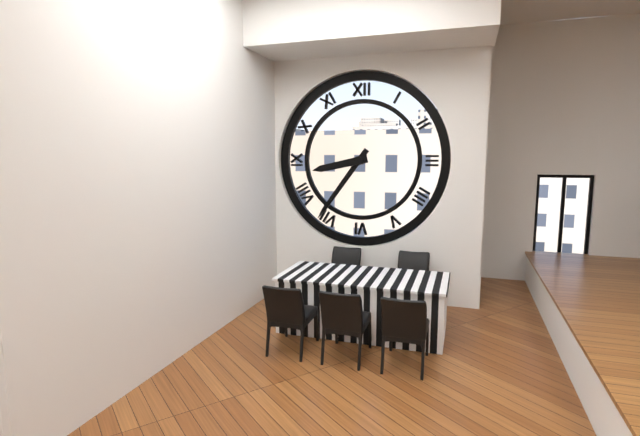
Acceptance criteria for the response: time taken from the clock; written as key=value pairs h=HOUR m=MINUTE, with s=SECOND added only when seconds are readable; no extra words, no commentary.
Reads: h=8 m=36
